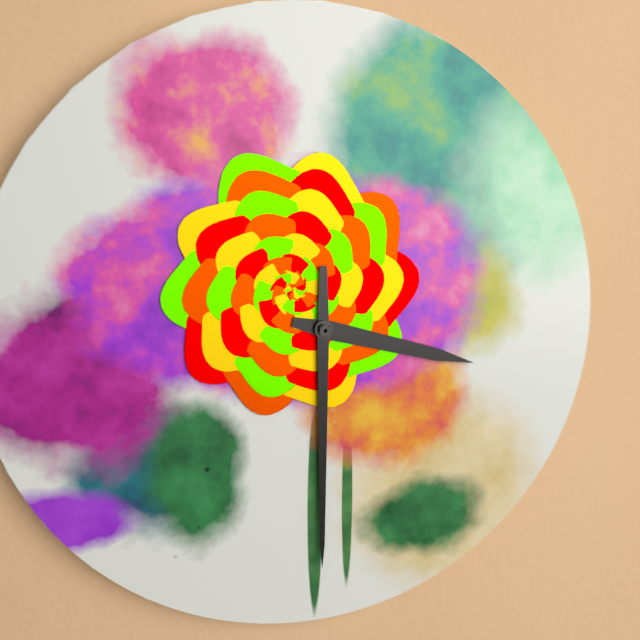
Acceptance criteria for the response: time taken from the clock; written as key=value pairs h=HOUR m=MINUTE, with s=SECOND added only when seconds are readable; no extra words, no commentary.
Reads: h=3 m=30
